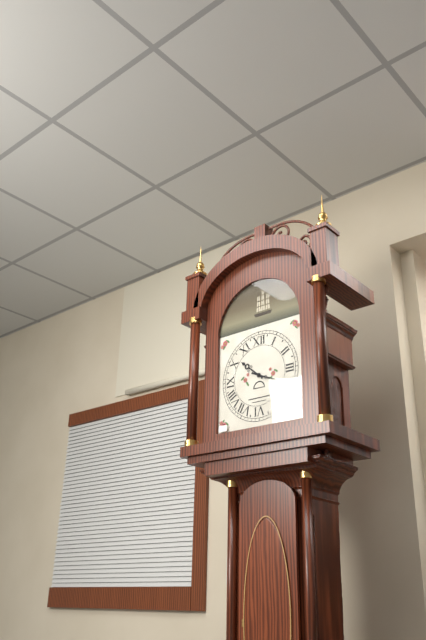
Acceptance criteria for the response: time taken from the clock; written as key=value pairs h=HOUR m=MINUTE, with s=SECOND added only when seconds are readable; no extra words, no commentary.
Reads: h=10 m=19
